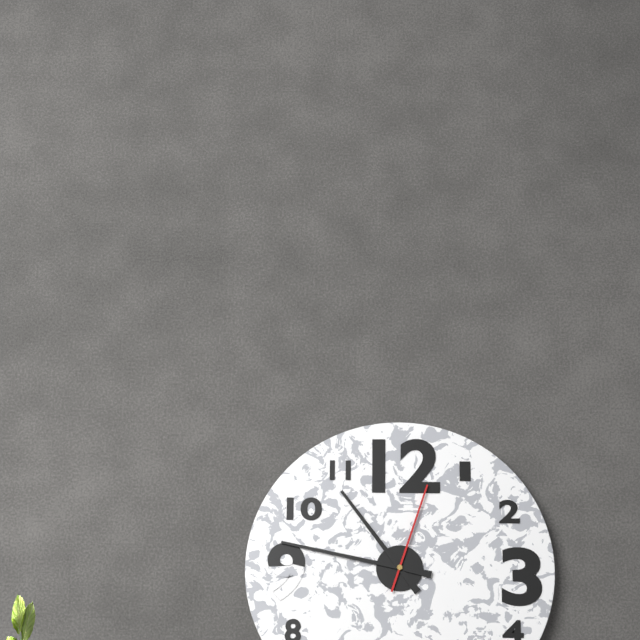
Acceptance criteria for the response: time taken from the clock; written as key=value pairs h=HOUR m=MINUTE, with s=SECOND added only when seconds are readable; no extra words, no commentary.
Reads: h=10 m=47 s=3
